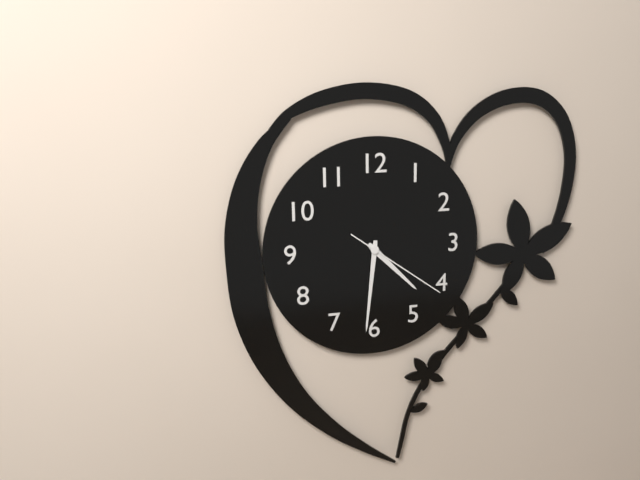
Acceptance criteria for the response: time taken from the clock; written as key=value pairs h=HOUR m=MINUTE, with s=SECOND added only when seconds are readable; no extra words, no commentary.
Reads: h=4 m=31 s=21
